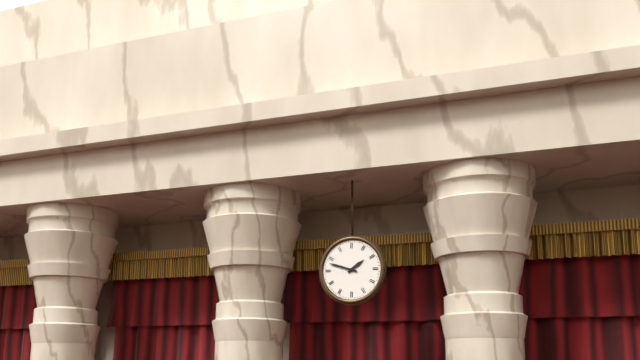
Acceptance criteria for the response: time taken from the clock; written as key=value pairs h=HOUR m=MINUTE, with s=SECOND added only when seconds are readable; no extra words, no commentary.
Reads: h=1 m=48
